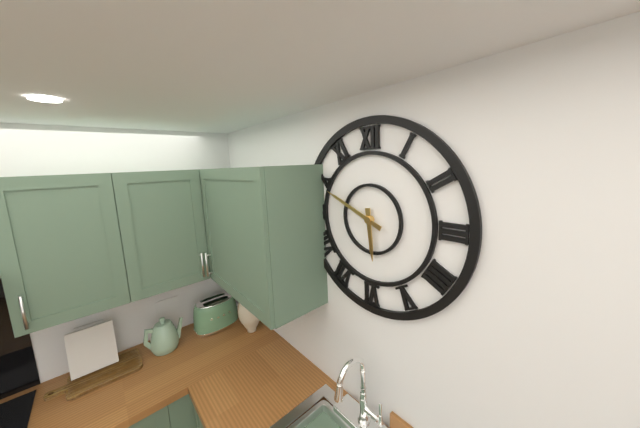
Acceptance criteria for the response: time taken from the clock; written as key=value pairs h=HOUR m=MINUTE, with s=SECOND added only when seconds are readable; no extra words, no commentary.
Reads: h=5 m=49
